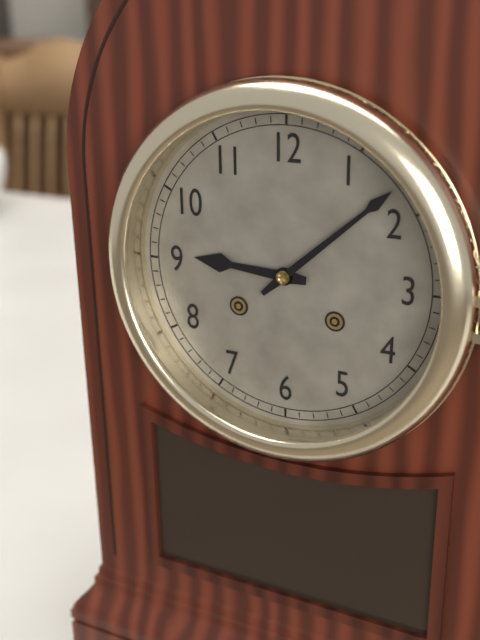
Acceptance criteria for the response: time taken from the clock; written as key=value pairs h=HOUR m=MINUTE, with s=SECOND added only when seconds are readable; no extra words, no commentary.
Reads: h=9 m=8
